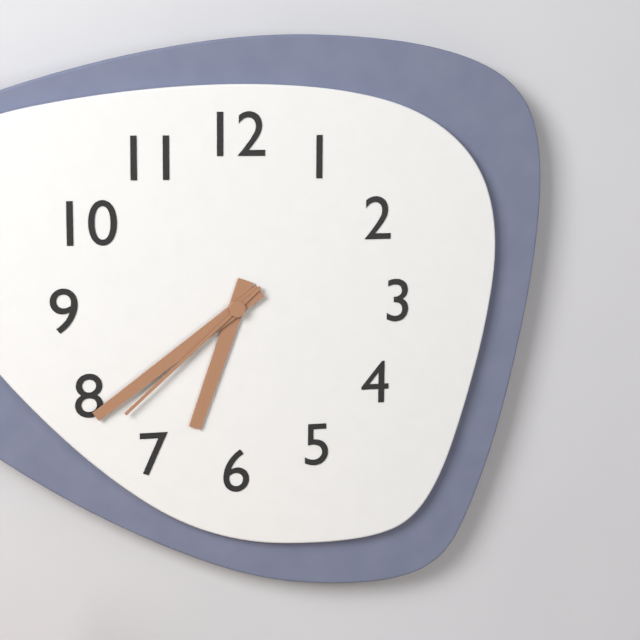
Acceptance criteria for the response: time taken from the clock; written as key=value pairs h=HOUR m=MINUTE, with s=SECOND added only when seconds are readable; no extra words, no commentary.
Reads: h=6 m=39 s=38
